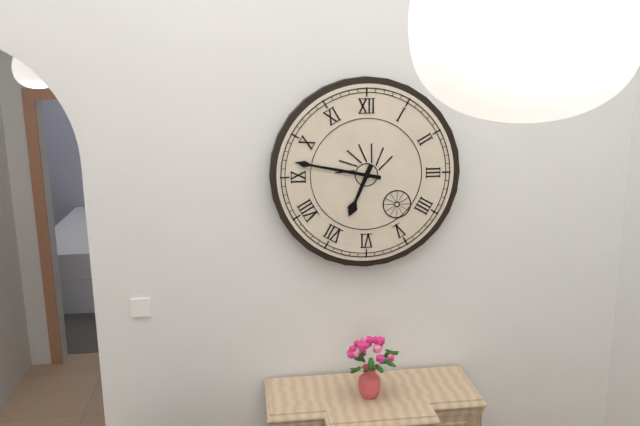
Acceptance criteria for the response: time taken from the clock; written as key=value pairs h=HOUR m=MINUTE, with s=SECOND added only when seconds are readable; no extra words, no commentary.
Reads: h=6 m=47
